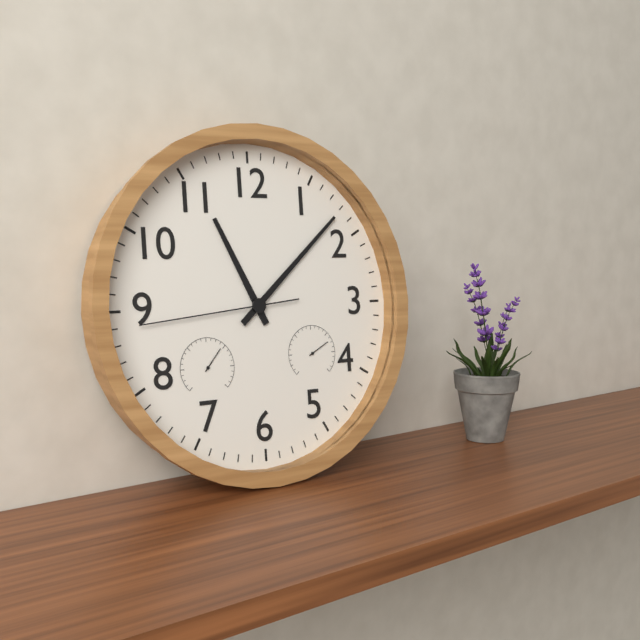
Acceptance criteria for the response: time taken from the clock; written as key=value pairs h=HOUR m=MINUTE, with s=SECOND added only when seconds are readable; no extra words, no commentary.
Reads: h=11 m=8 s=44
